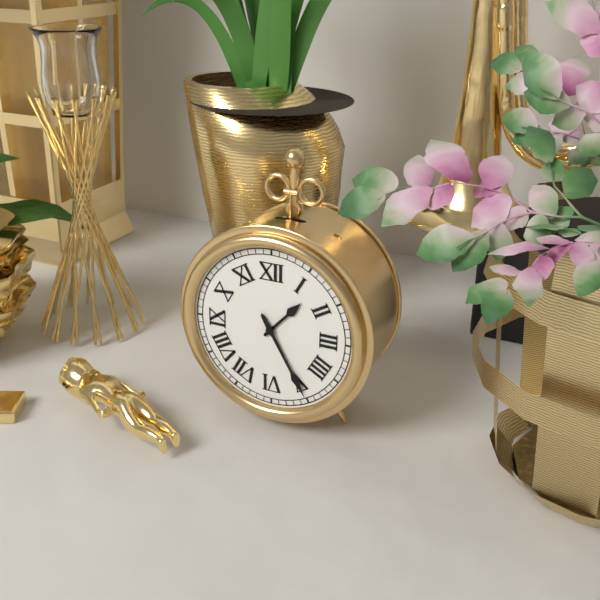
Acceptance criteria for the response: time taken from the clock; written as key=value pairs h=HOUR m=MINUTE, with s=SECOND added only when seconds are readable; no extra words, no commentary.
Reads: h=1 m=25
